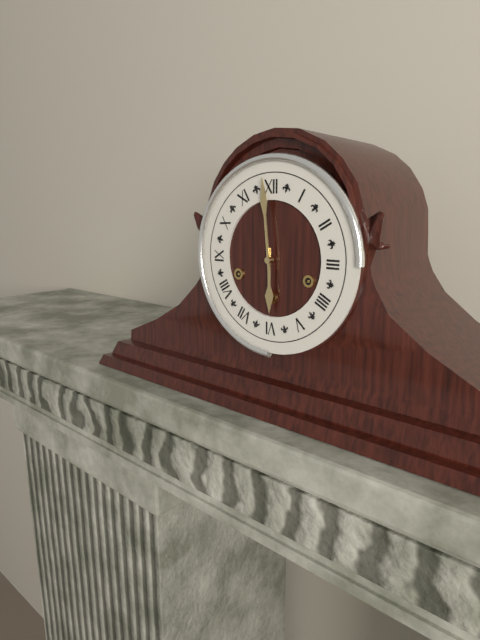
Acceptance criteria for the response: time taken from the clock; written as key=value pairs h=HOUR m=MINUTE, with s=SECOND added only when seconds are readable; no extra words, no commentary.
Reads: h=5 m=59
